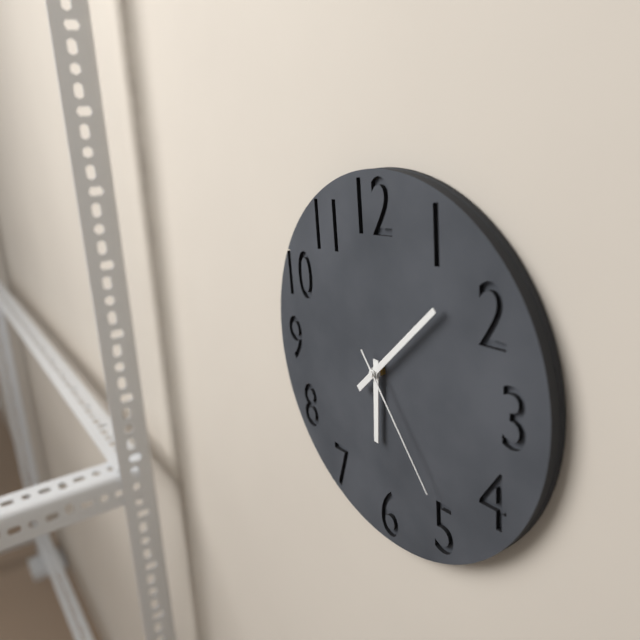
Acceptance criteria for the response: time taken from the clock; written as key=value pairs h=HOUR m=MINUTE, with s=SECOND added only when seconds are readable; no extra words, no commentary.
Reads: h=6 m=8 s=24
